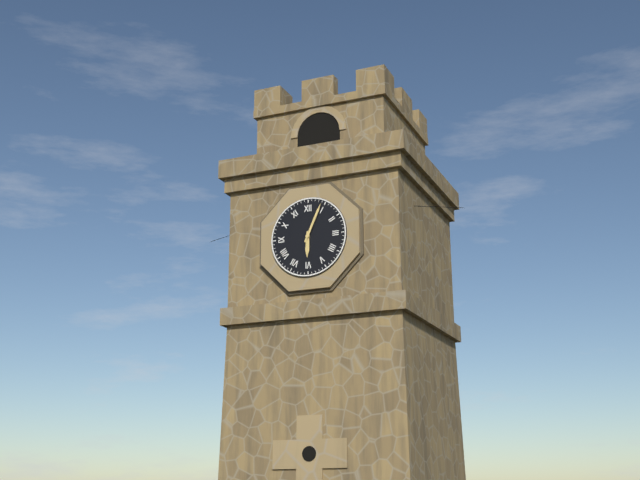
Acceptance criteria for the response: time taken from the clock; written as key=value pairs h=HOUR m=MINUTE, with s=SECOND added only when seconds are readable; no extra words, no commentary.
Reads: h=6 m=4
